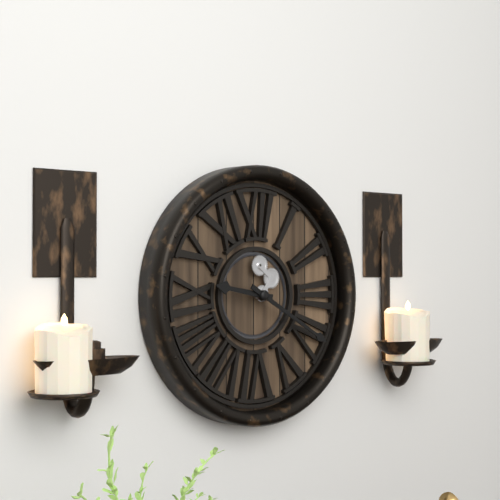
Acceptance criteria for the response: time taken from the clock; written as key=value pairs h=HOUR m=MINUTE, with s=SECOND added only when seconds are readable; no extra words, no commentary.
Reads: h=9 m=20
